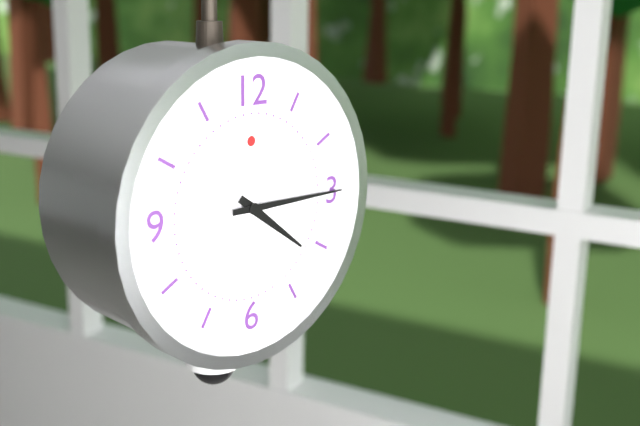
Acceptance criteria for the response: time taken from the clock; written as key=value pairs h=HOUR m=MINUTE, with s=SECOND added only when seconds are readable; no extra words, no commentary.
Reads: h=4 m=15
